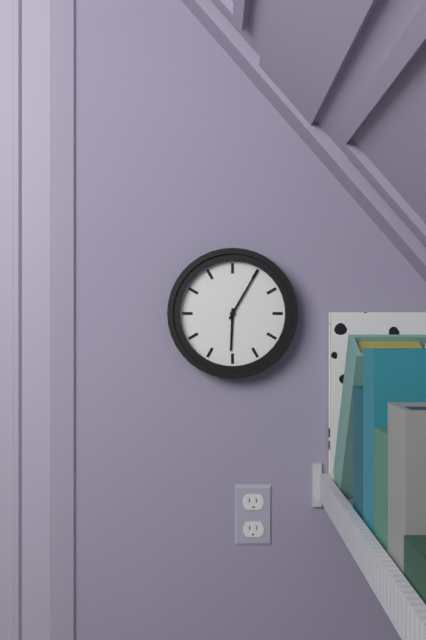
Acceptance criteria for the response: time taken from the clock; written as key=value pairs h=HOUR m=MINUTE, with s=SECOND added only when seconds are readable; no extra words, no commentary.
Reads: h=6 m=5
